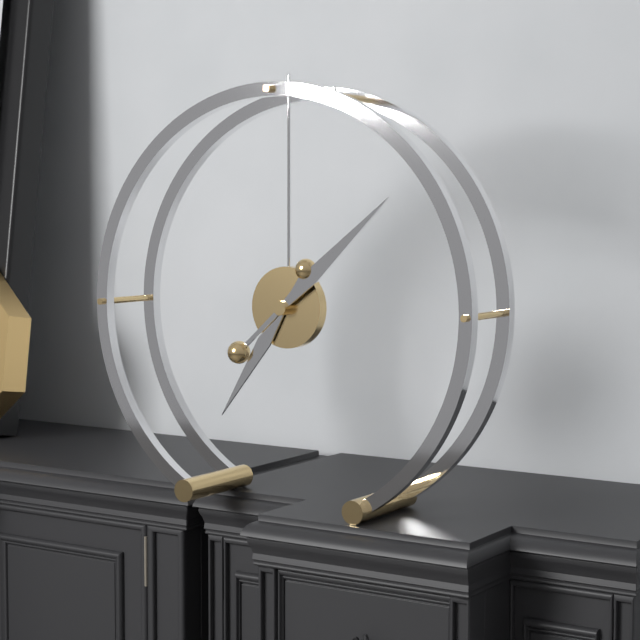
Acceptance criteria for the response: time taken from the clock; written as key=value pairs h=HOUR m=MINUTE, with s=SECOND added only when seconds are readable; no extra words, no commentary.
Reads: h=7 m=8
